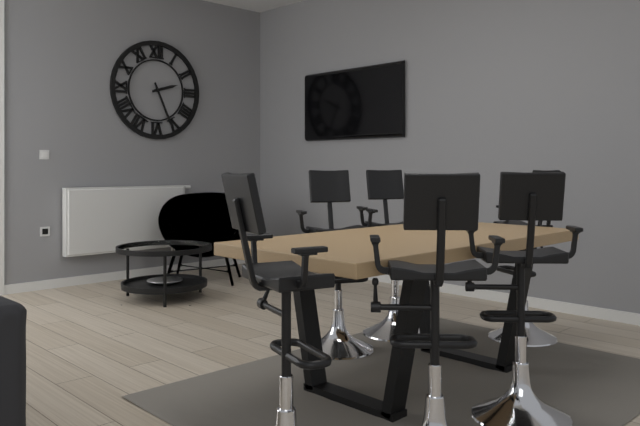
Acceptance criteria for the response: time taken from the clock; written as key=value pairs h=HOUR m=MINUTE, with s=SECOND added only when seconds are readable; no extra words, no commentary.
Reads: h=2 m=26
